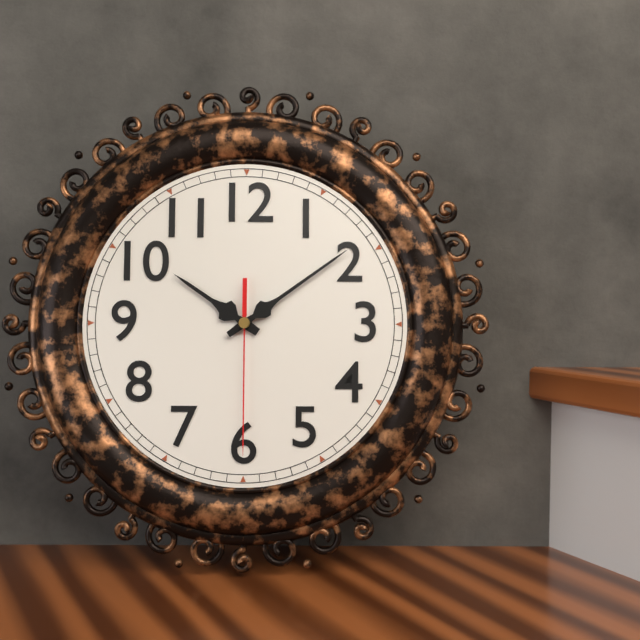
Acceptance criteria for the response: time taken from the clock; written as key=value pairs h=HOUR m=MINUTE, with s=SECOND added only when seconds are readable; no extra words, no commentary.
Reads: h=10 m=9 s=30
